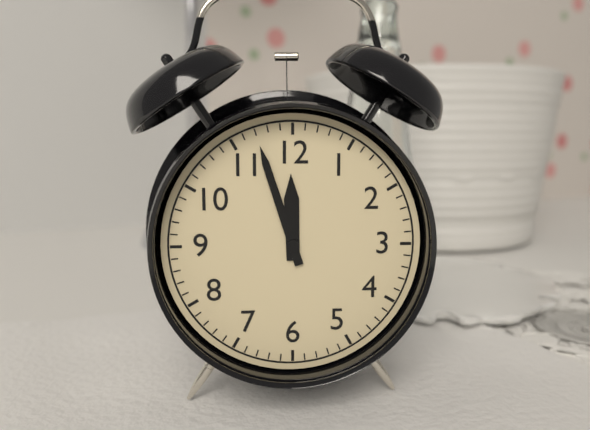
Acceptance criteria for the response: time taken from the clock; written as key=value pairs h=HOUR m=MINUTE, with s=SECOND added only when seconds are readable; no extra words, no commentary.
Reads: h=11 m=57
